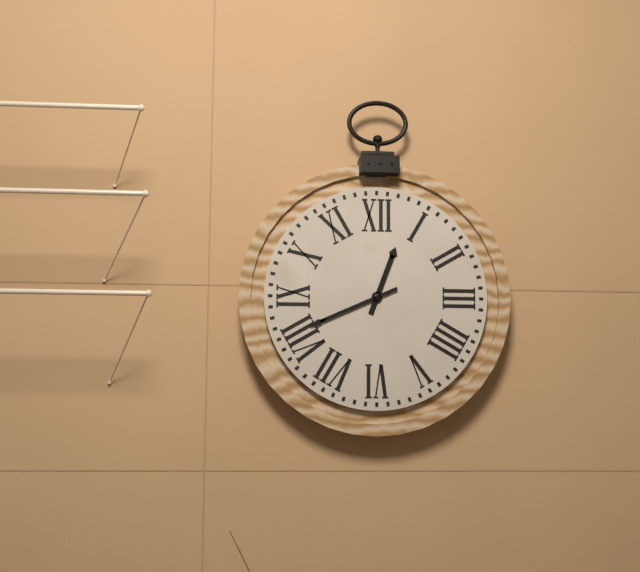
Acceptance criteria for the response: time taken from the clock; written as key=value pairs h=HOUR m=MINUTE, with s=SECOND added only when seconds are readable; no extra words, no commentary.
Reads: h=12 m=41
